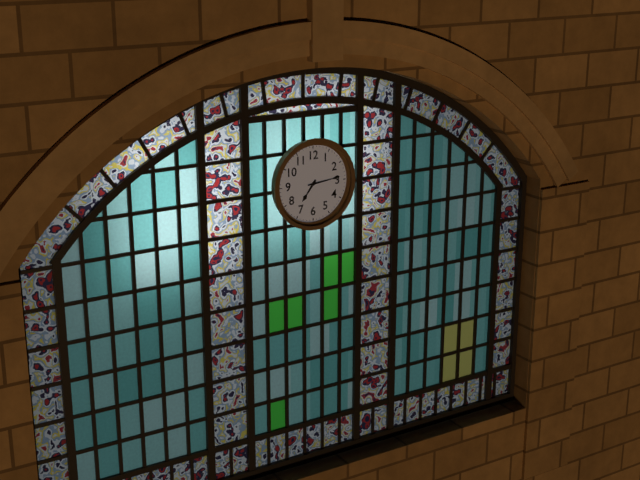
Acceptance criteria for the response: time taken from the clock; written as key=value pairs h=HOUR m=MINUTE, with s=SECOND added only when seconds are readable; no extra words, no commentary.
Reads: h=7 m=14
